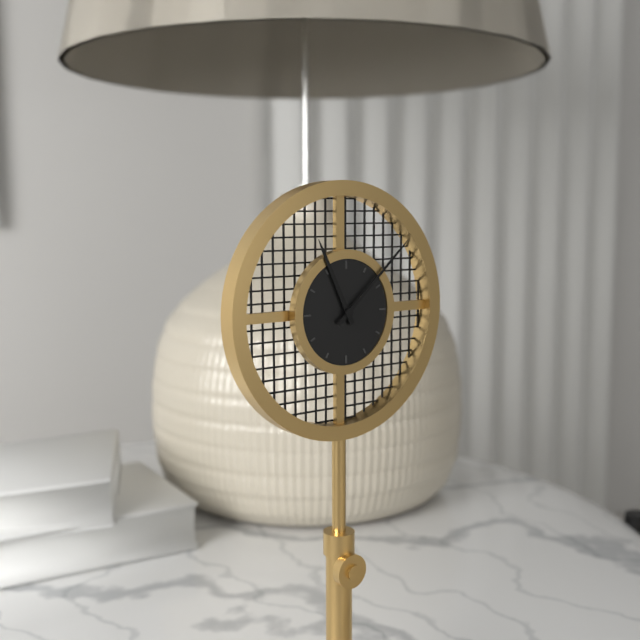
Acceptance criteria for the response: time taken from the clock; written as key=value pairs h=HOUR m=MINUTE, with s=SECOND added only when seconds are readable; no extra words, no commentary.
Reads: h=11 m=8
